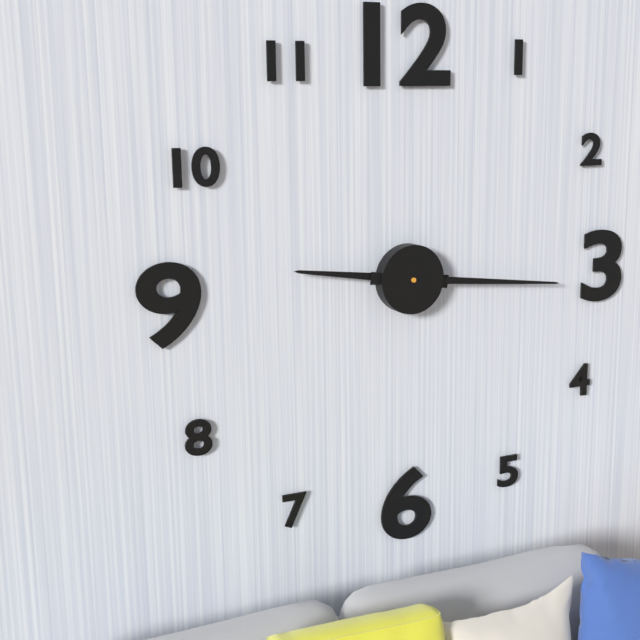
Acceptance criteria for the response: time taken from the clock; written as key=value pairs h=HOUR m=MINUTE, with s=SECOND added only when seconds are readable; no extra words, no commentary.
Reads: h=9 m=16
